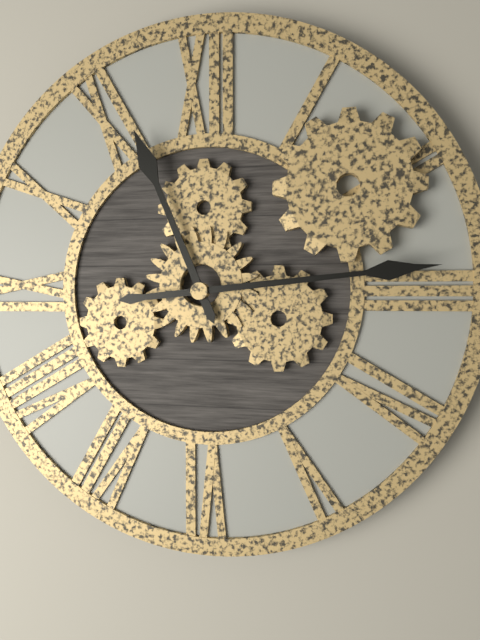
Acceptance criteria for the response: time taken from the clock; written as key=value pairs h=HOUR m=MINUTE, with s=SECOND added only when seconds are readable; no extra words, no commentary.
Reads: h=11 m=14
